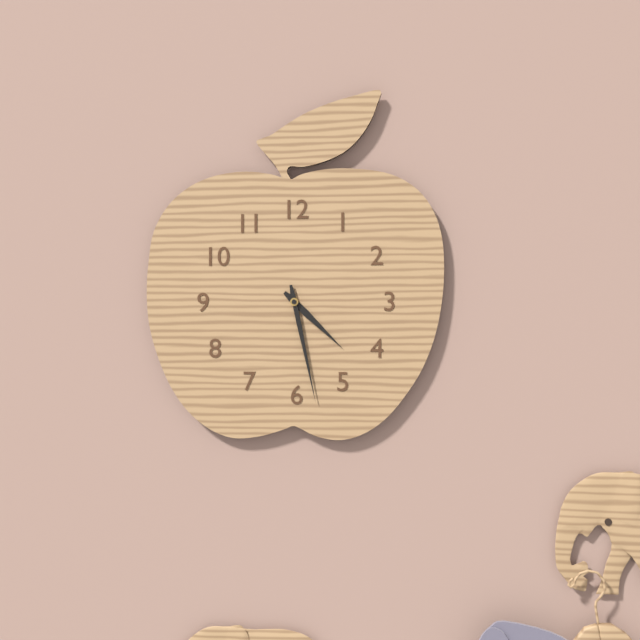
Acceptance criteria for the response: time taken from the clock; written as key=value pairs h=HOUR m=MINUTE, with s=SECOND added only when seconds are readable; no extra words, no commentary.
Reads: h=4 m=28
